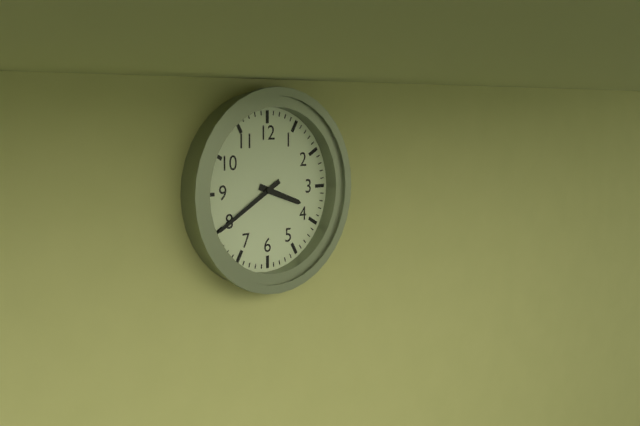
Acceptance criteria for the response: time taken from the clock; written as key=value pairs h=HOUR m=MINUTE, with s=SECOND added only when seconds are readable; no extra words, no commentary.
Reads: h=3 m=40
